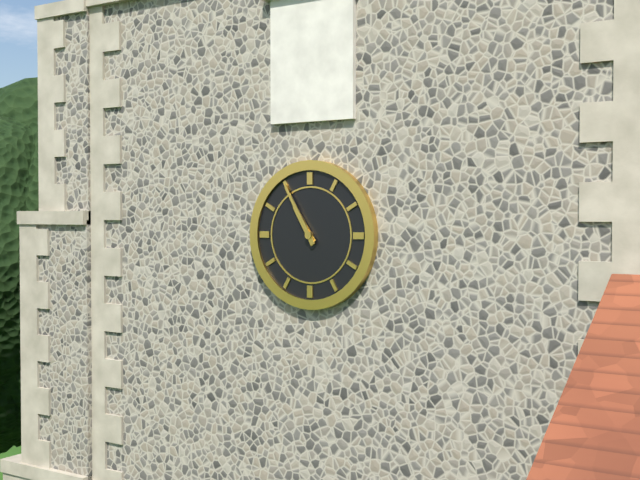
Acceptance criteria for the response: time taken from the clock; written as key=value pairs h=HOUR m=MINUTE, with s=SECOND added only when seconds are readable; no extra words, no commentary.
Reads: h=10 m=55
